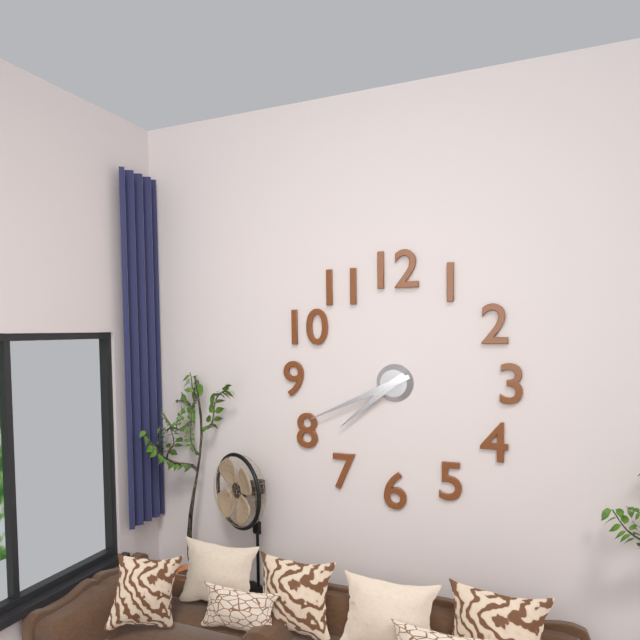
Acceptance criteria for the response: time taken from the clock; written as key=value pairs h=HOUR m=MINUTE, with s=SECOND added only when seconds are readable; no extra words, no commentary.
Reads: h=7 m=41
